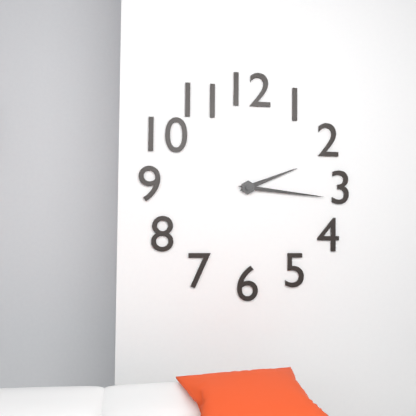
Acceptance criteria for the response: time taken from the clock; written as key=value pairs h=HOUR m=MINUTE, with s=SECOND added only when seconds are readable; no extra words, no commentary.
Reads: h=2 m=16
